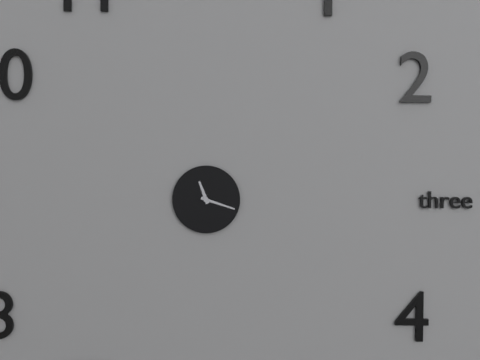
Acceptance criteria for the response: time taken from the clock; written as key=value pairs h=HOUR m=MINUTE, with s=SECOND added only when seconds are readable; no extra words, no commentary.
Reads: h=11 m=18
